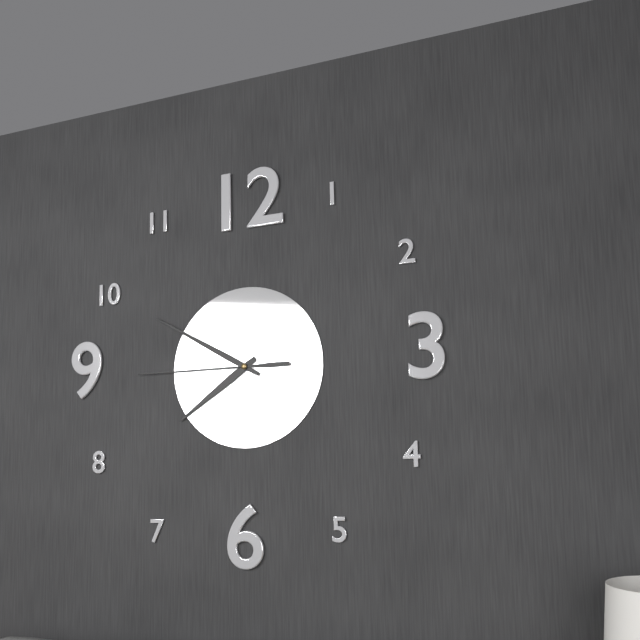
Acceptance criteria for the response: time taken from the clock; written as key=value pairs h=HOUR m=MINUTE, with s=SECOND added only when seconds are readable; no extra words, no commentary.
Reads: h=7 m=50 s=45
